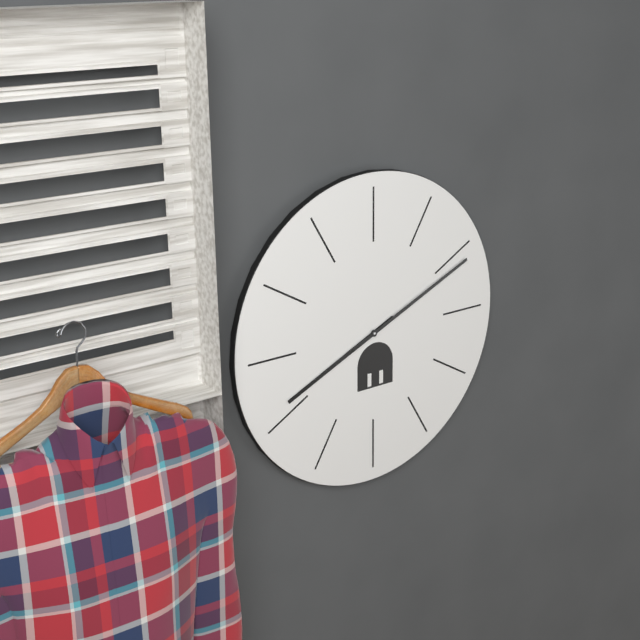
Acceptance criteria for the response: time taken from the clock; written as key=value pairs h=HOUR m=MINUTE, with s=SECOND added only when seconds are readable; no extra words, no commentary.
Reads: h=8 m=11
